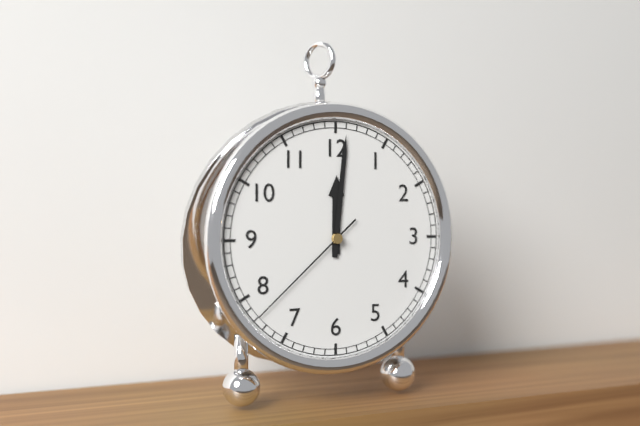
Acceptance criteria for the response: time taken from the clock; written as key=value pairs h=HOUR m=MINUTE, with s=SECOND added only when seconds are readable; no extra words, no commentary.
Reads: h=12 m=1 s=38
